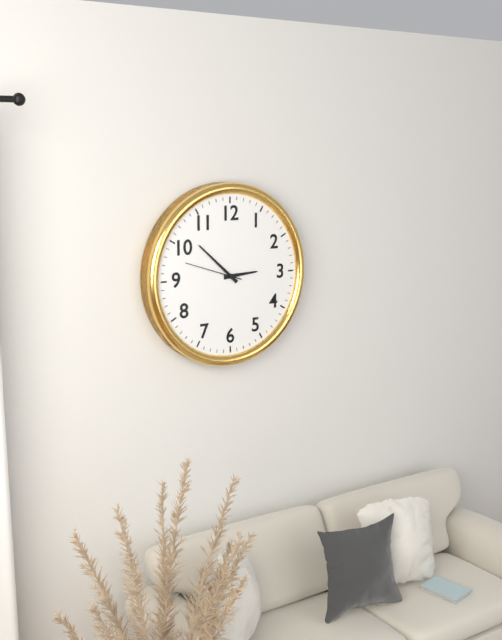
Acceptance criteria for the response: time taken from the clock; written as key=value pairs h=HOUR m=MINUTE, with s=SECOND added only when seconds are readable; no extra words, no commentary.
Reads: h=2 m=52 s=48
